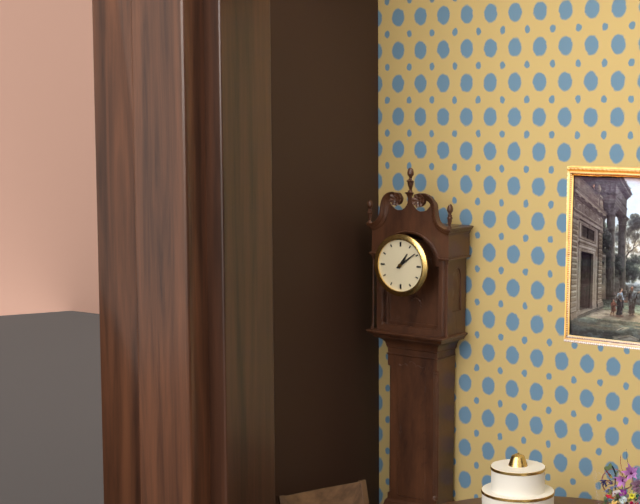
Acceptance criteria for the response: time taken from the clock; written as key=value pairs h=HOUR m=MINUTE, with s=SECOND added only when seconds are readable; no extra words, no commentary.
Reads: h=1 m=9
